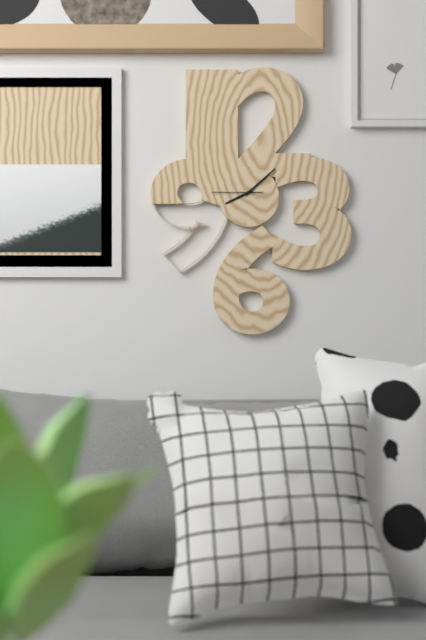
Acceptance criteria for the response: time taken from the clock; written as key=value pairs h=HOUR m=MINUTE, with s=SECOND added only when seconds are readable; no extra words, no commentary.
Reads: h=8 m=8
